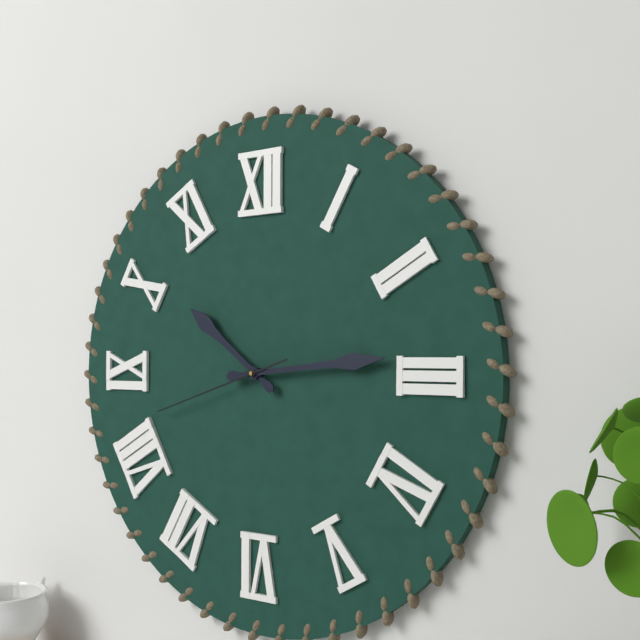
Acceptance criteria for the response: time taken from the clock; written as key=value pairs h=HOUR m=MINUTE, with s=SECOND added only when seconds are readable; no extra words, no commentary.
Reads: h=10 m=14 s=42
